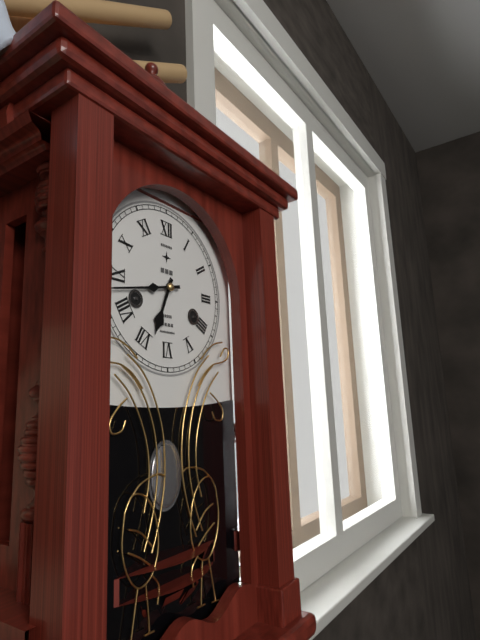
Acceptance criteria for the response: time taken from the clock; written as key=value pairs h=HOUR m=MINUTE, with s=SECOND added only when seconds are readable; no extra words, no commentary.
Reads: h=6 m=43
